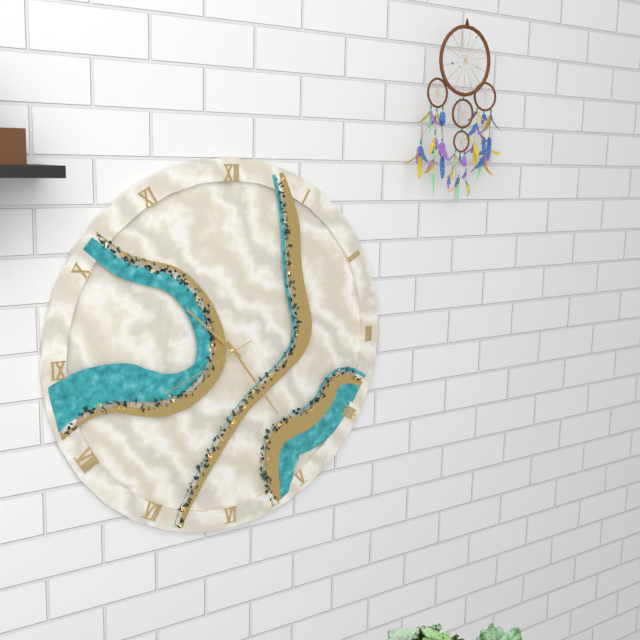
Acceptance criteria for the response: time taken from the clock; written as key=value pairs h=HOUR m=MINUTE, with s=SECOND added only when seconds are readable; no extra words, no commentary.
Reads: h=10 m=24 s=41
